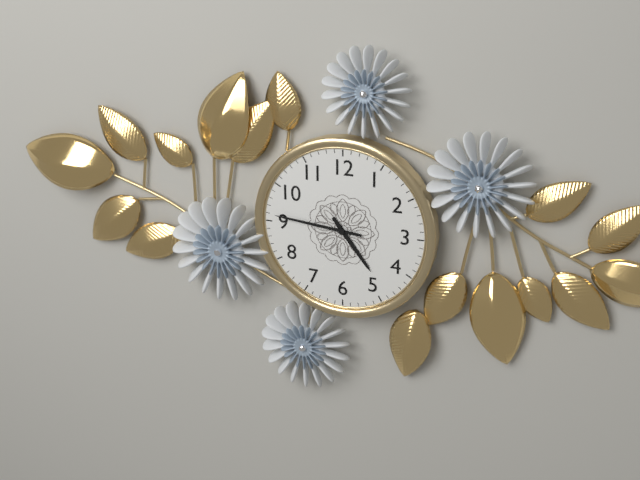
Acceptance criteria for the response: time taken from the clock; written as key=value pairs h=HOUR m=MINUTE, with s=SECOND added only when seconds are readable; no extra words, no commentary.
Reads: h=4 m=46
